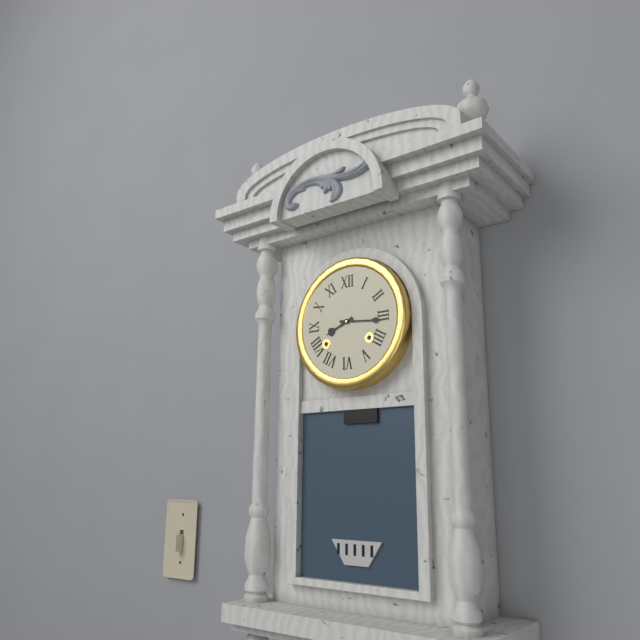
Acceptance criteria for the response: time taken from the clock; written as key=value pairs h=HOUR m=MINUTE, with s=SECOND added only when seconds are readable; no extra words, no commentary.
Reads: h=8 m=16
